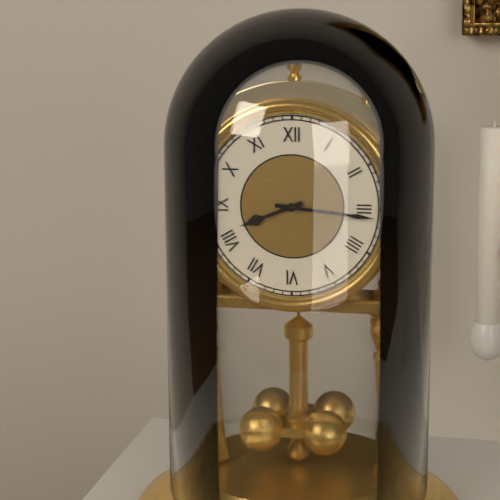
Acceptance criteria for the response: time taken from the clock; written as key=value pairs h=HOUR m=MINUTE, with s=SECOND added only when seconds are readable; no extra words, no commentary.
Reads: h=8 m=16
